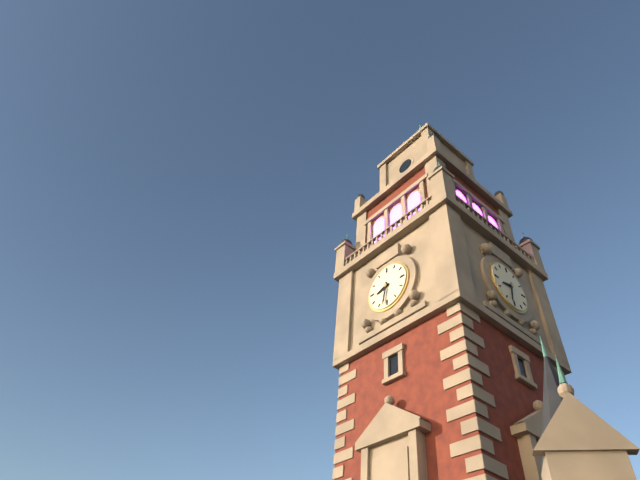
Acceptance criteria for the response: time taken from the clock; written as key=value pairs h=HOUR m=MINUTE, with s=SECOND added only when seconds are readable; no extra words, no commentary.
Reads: h=8 m=32
